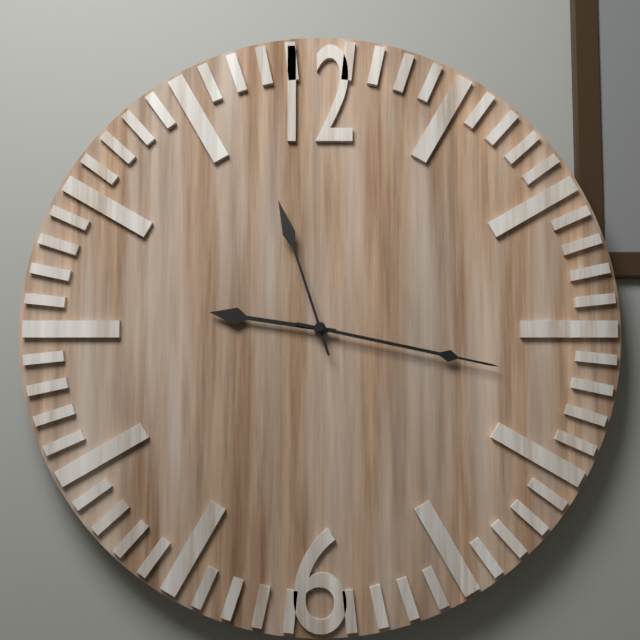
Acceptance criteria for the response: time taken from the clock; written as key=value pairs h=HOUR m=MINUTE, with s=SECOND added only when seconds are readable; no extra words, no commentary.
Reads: h=9 m=17 s=57
